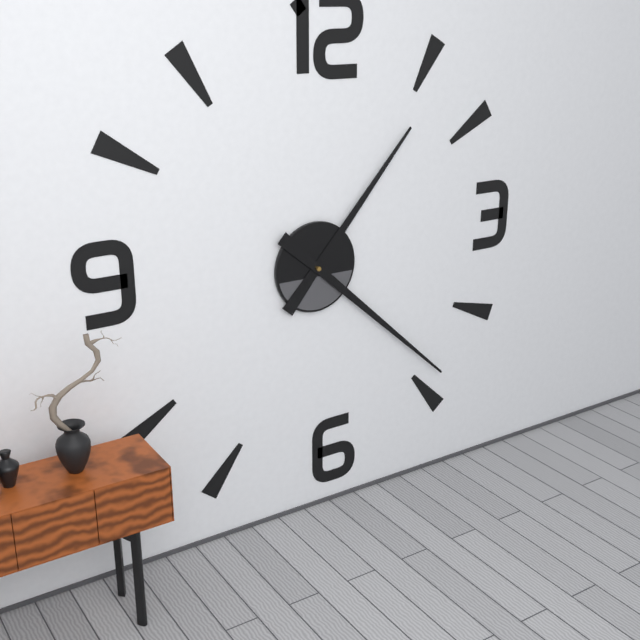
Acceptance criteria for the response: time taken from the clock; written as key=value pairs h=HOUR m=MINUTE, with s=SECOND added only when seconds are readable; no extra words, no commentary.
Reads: h=1 m=22
